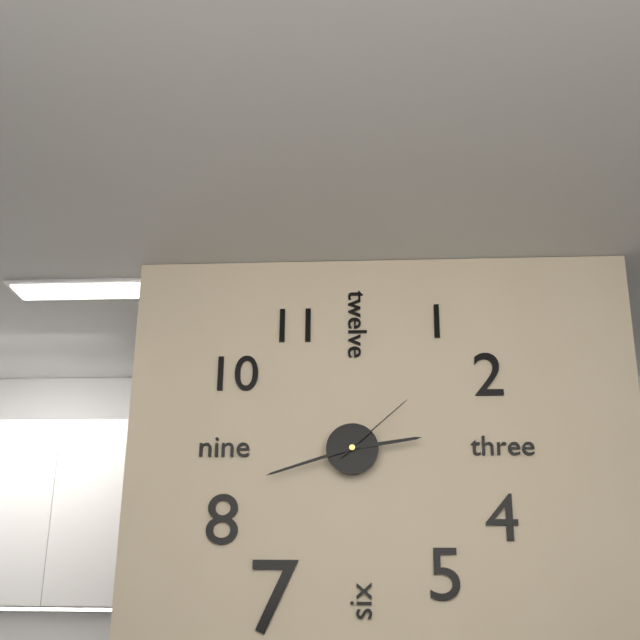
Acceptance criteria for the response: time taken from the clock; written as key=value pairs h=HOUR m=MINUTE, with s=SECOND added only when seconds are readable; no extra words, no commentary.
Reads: h=2 m=42 s=8
